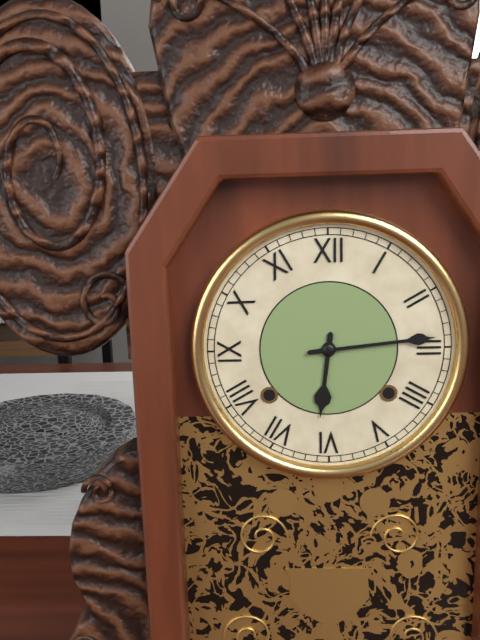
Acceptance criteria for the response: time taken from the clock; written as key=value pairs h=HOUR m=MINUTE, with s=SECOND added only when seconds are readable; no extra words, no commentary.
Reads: h=6 m=14
